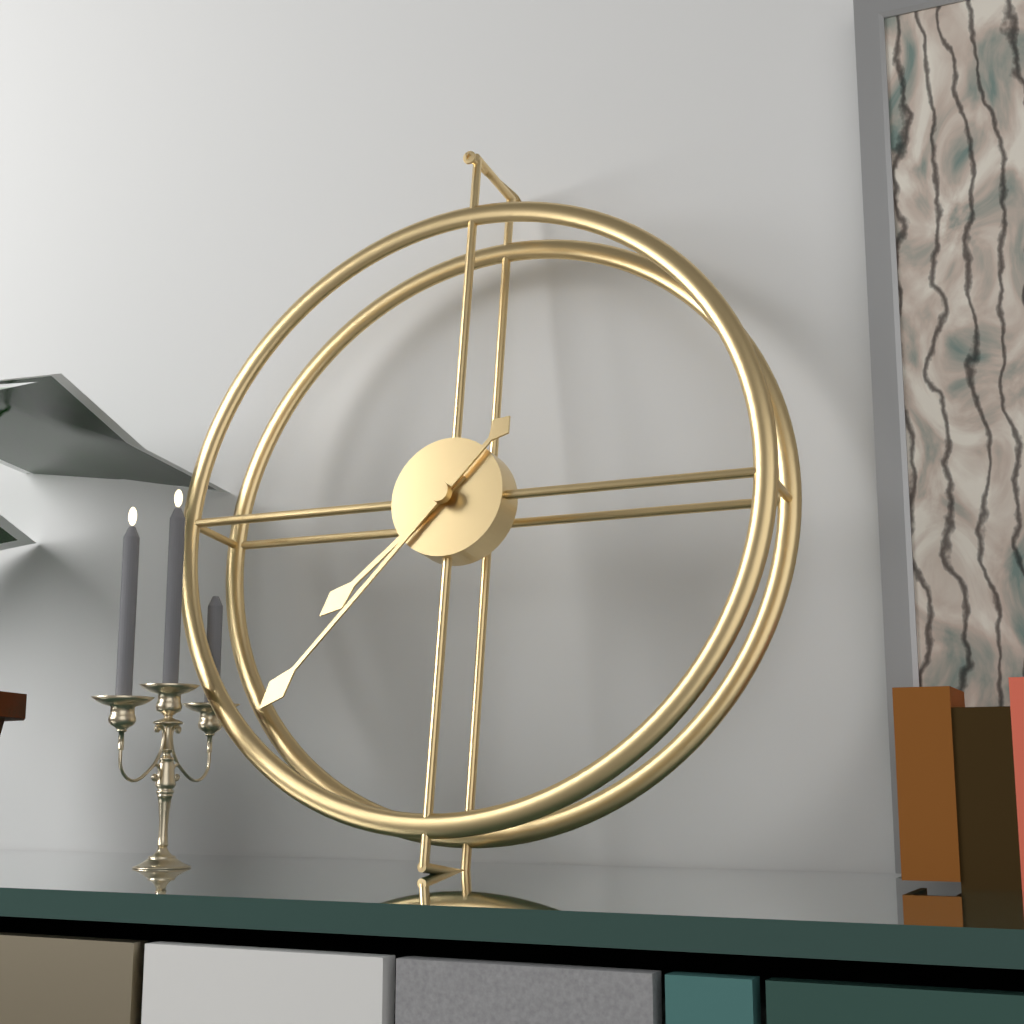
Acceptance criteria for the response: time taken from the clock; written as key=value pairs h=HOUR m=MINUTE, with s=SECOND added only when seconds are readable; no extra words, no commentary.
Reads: h=7 m=37
